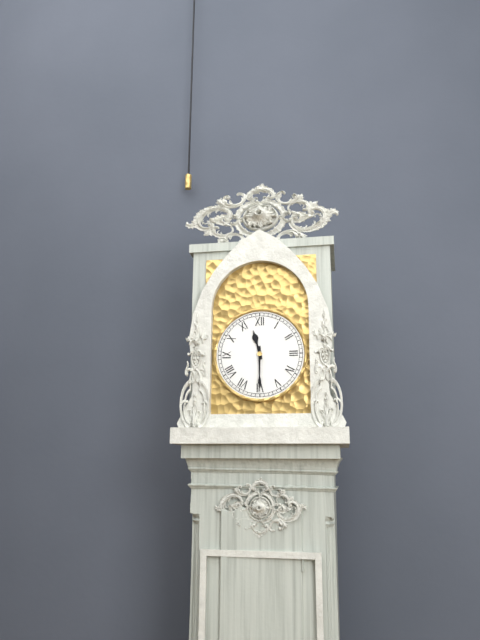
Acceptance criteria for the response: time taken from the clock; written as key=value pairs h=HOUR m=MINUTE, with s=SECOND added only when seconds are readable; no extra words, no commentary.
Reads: h=11 m=30
